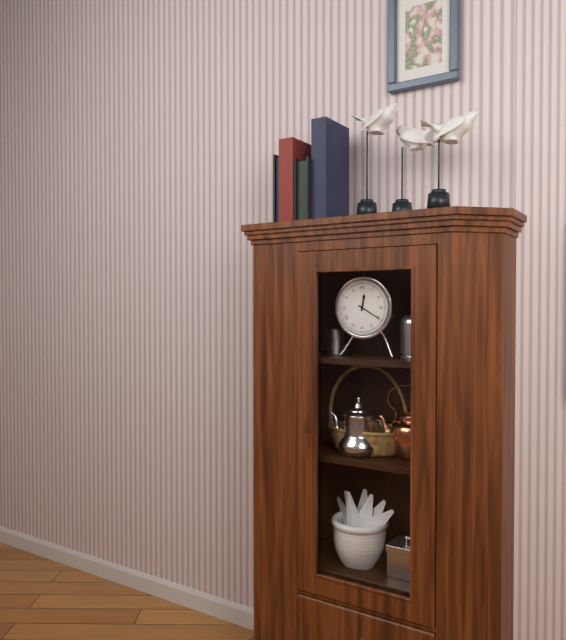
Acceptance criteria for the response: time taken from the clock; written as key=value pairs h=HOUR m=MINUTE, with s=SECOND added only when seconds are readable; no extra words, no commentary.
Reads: h=12 m=20
